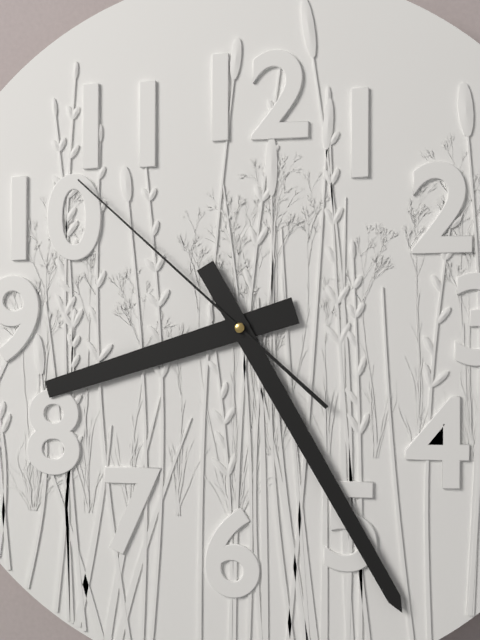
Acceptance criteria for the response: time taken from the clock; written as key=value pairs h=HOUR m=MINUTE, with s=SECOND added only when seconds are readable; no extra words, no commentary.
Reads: h=8 m=25 s=52
